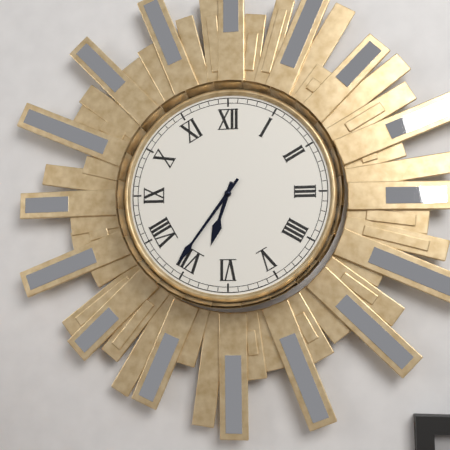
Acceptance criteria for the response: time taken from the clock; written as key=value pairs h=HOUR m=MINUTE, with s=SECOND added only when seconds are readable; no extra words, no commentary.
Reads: h=6 m=36
